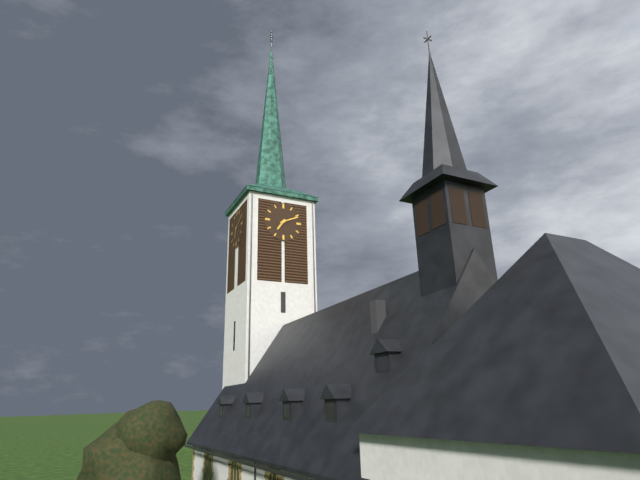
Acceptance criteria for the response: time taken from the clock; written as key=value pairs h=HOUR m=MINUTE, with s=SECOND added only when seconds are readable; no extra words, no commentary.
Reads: h=7 m=11
